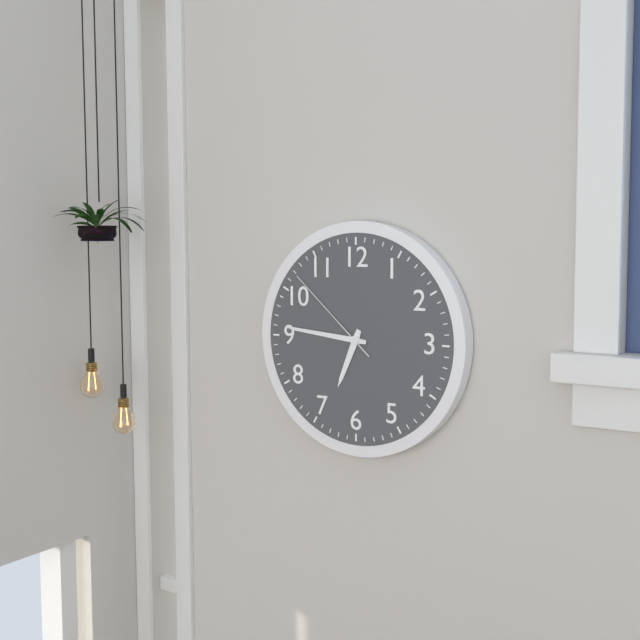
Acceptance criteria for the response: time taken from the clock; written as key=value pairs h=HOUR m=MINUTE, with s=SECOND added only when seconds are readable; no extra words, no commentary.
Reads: h=6 m=46 s=52
